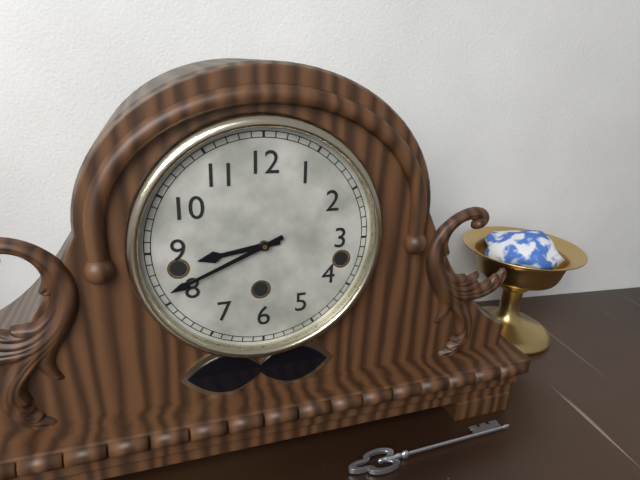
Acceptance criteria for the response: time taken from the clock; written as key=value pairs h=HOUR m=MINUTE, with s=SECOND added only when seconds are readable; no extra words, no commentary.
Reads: h=8 m=41
